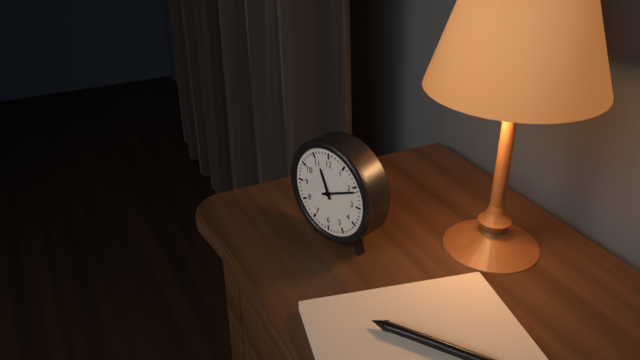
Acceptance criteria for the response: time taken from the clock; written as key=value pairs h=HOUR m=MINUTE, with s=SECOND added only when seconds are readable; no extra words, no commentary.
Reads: h=11 m=11
